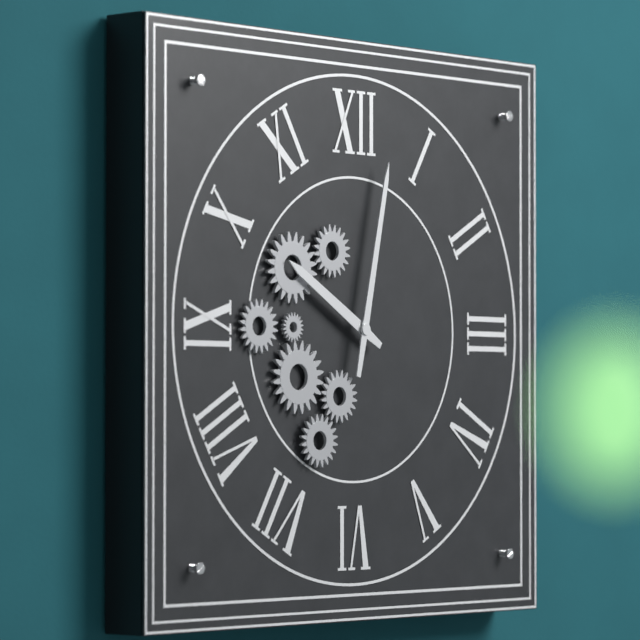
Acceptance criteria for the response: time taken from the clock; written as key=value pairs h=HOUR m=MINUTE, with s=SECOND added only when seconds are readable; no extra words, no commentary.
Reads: h=10 m=2
